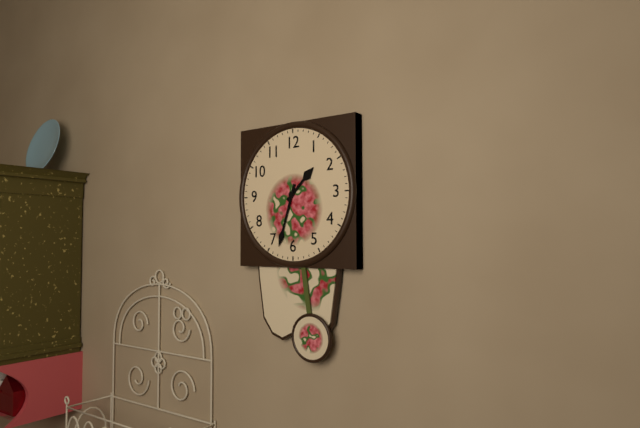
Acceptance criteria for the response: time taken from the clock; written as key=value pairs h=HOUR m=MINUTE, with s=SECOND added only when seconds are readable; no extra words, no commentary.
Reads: h=1 m=33
